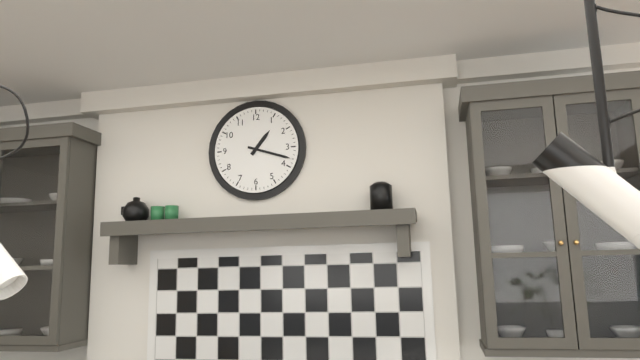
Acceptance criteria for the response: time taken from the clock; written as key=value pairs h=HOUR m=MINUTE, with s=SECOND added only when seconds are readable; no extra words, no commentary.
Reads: h=1 m=18
